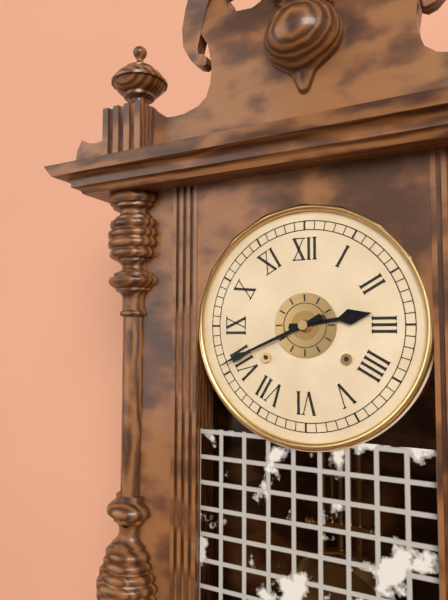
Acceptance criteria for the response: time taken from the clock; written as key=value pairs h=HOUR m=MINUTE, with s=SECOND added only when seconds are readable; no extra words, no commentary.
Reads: h=2 m=41
